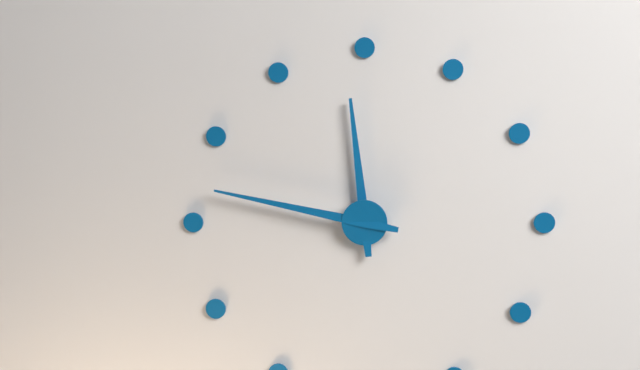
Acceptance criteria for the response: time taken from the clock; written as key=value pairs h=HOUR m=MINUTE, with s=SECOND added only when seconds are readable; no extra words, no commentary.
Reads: h=11 m=47
